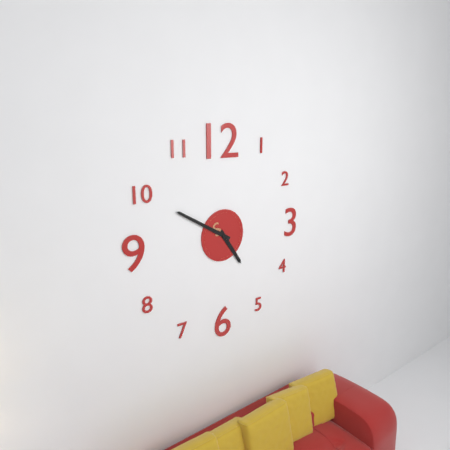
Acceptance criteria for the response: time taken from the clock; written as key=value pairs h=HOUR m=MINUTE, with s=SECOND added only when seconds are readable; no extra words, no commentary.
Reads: h=4 m=50
